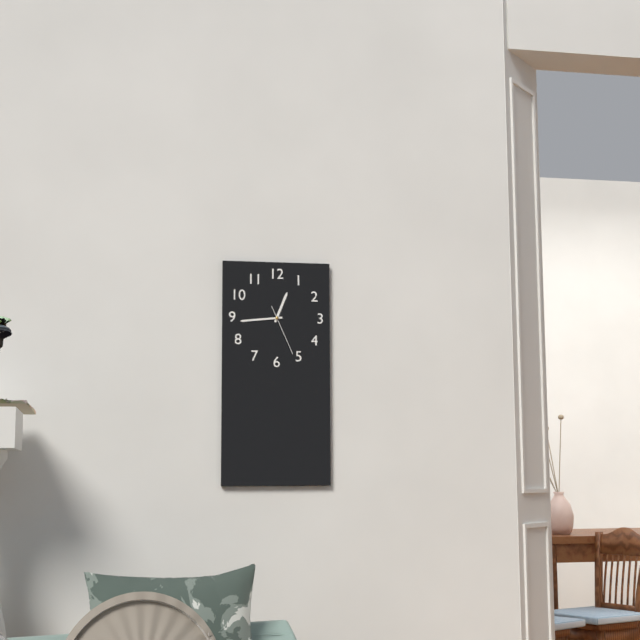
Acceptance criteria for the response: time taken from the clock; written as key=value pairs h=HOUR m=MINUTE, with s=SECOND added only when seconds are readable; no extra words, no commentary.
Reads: h=12 m=44 s=26
